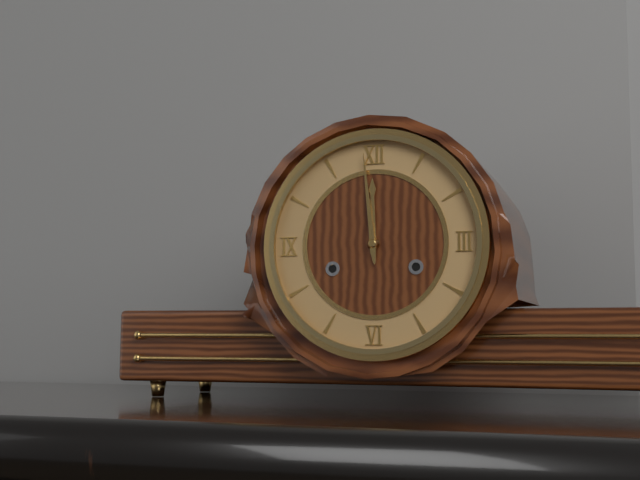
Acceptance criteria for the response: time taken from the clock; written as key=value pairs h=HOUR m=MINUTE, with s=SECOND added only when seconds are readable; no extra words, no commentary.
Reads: h=11 m=59
